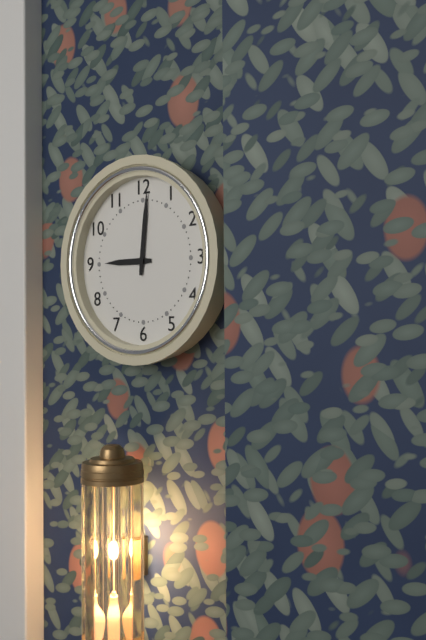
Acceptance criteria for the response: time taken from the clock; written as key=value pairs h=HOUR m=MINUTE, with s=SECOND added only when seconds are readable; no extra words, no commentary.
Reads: h=9 m=1
